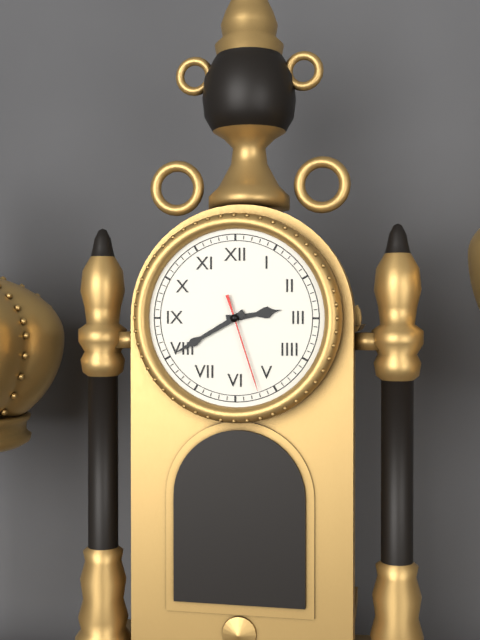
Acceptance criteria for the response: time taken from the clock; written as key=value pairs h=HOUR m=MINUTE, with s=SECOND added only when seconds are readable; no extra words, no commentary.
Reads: h=2 m=40 s=27
